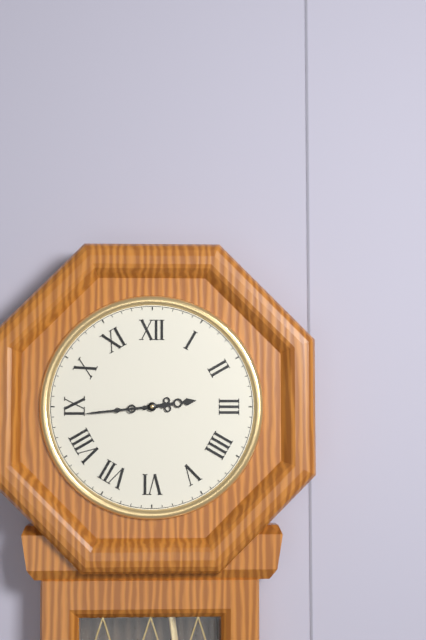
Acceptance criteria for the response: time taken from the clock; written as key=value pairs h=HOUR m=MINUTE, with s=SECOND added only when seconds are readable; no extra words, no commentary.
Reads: h=2 m=44
